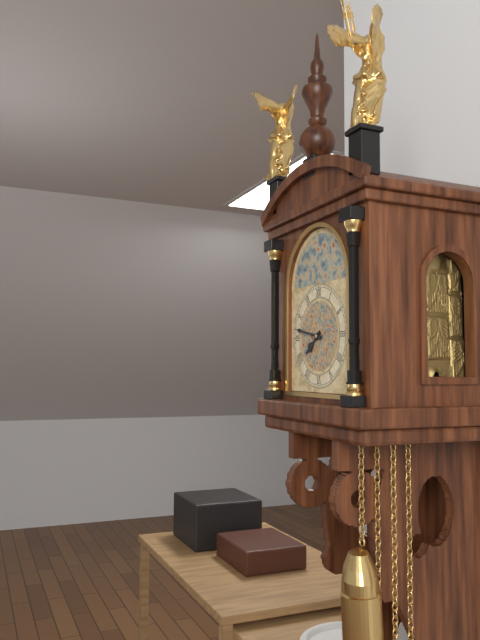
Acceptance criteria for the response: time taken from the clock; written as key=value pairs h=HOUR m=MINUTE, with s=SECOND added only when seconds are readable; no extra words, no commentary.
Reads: h=7 m=47
